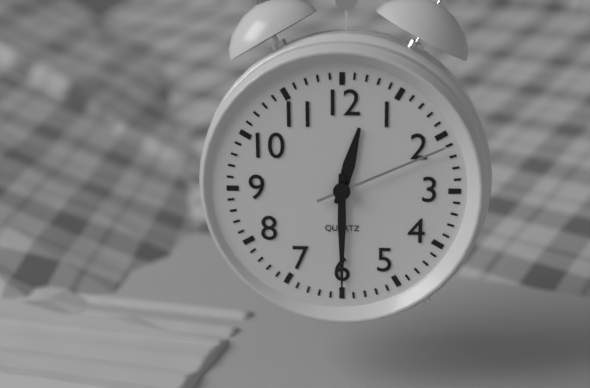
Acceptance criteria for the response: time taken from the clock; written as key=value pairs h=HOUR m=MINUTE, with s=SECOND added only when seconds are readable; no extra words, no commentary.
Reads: h=12 m=30 s=11
